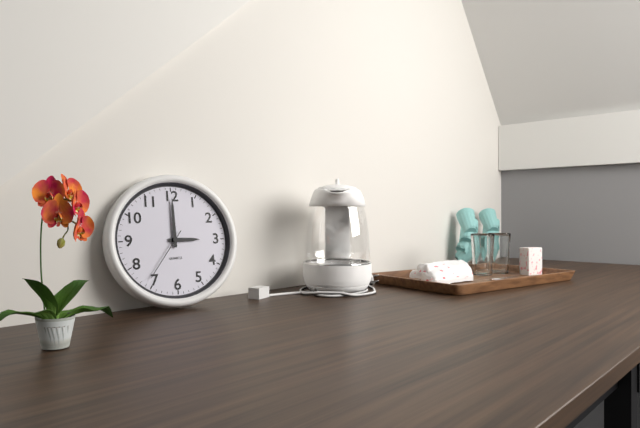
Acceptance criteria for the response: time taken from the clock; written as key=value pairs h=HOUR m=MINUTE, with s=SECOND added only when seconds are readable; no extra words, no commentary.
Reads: h=3 m=0 s=36
